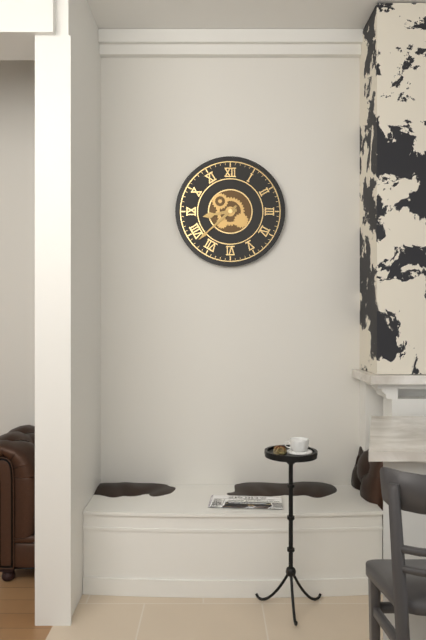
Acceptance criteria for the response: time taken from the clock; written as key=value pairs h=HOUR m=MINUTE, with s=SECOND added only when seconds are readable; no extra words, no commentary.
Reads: h=8 m=38
